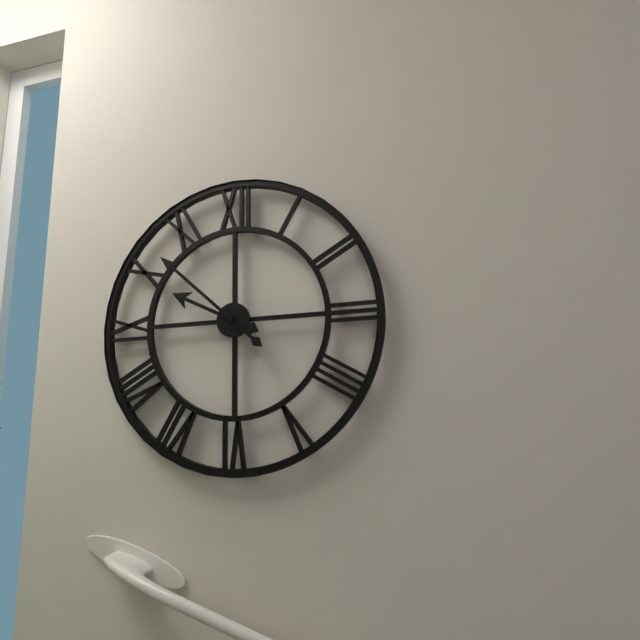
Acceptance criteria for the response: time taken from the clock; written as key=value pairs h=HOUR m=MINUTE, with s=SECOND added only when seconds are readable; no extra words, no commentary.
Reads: h=9 m=52
